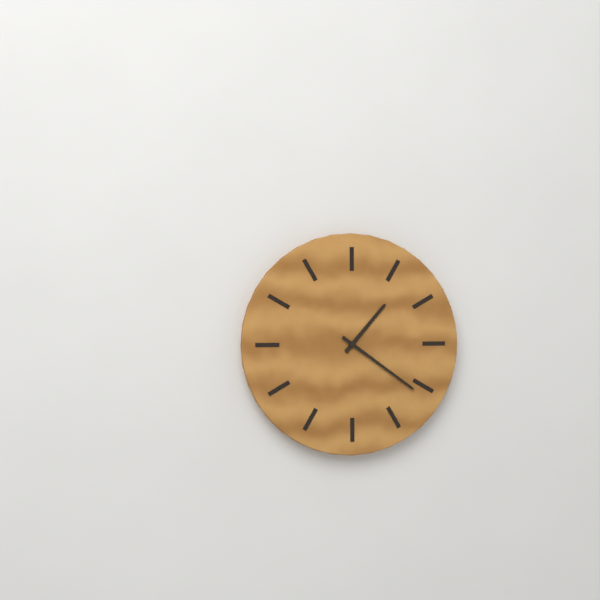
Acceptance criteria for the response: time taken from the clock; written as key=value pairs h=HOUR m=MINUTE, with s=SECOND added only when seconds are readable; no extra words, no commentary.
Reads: h=1 m=21
